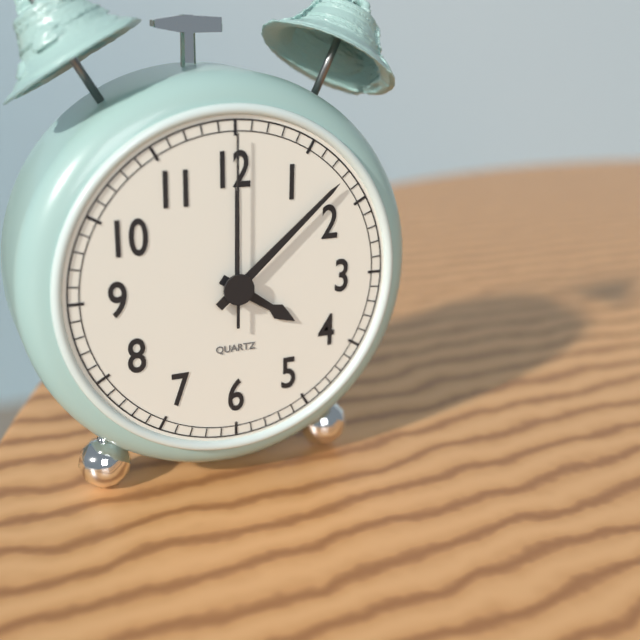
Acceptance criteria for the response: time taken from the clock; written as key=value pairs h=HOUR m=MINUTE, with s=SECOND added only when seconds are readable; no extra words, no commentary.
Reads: h=4 m=8 s=0
